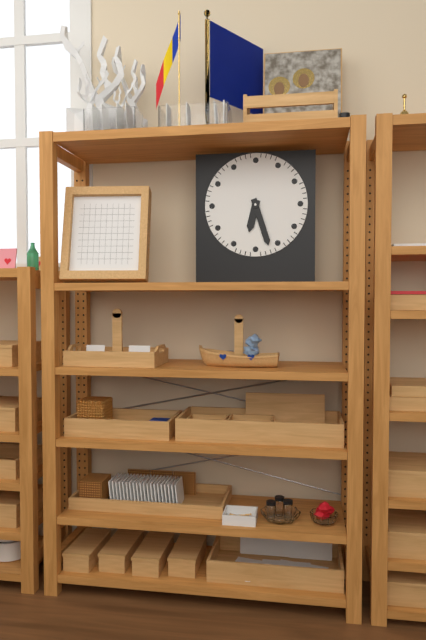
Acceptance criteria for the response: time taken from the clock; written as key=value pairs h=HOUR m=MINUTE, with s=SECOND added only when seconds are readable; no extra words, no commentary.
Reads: h=6 m=27
